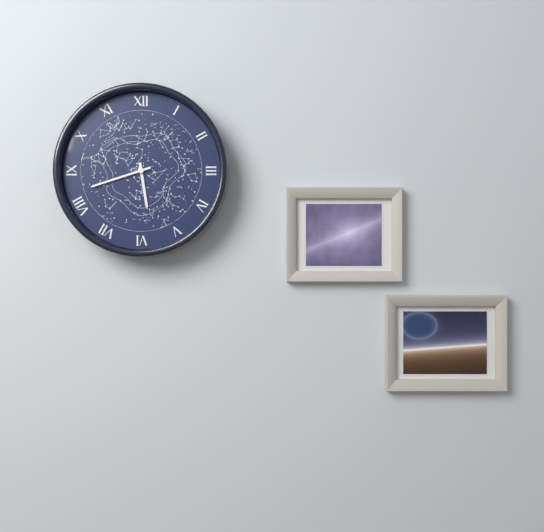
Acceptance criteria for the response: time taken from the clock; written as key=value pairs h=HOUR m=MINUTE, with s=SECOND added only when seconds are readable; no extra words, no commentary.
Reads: h=5 m=42
